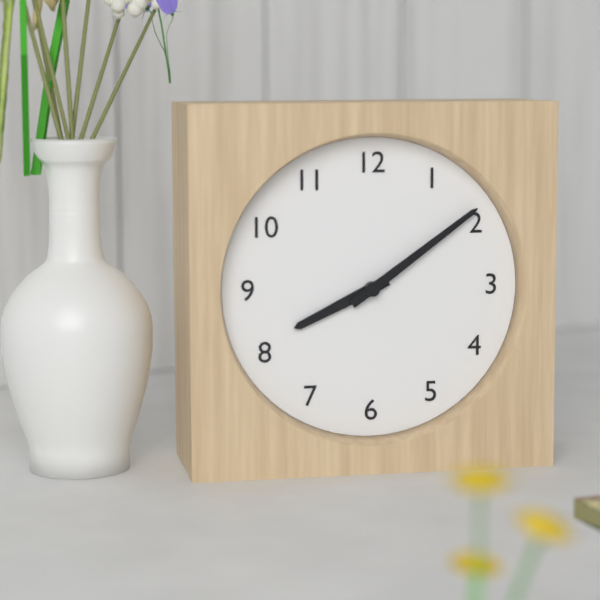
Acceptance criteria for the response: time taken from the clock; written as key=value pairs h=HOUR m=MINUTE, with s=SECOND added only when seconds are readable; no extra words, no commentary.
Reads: h=8 m=9
